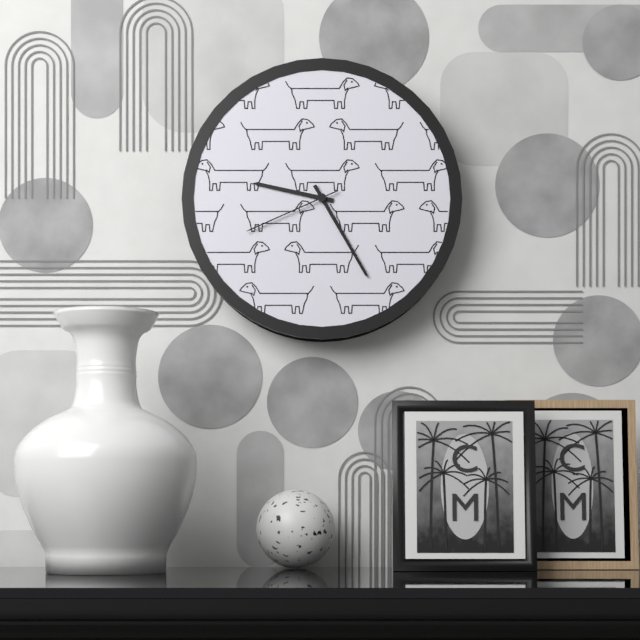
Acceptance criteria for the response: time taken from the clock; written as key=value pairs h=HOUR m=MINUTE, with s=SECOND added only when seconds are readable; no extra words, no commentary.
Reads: h=9 m=25 s=41
